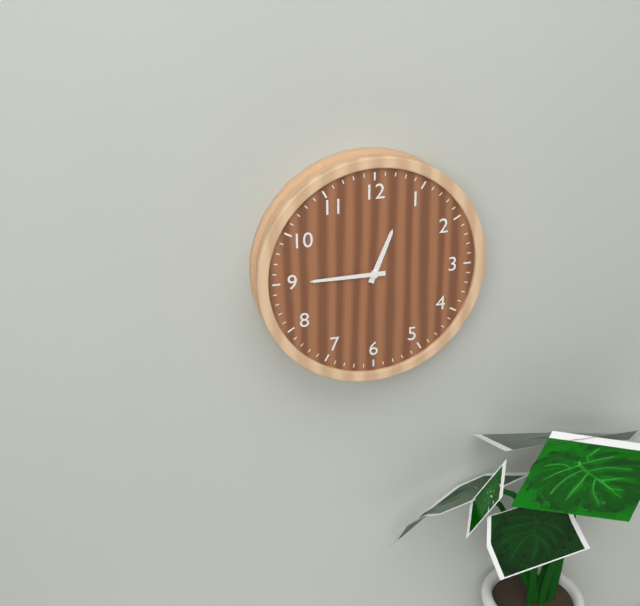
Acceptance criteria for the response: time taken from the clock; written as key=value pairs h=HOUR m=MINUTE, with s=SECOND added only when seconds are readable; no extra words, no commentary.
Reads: h=12 m=45
